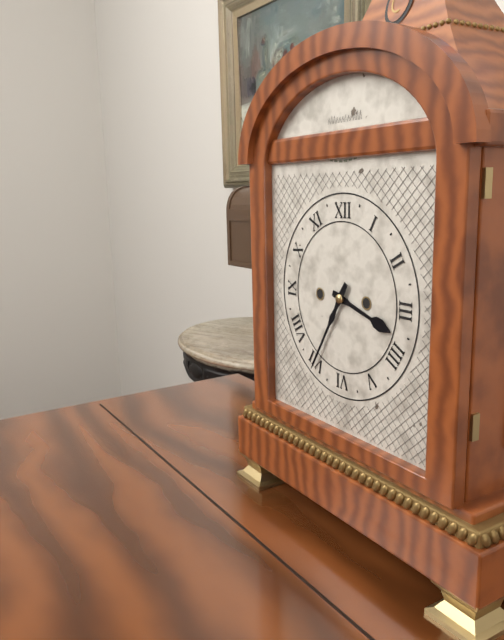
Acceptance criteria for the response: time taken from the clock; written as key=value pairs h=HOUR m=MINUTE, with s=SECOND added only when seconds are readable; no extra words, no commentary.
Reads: h=3 m=35
